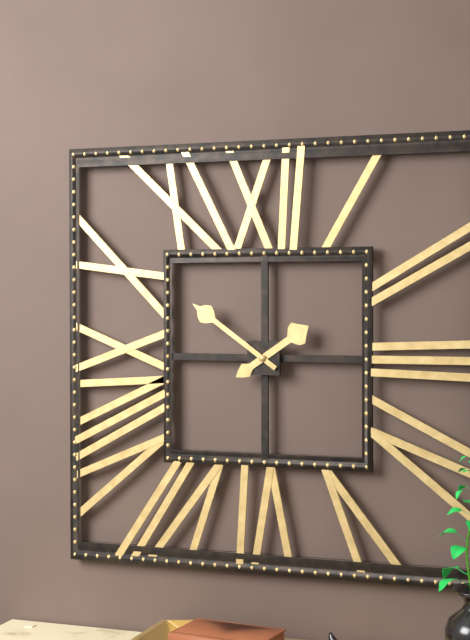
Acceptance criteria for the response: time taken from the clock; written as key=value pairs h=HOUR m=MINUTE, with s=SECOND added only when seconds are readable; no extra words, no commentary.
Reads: h=1 m=51
